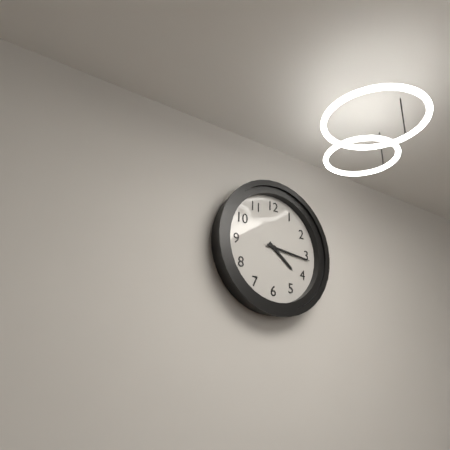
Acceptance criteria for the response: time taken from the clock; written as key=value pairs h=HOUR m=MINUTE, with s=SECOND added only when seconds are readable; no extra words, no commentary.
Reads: h=4 m=16
